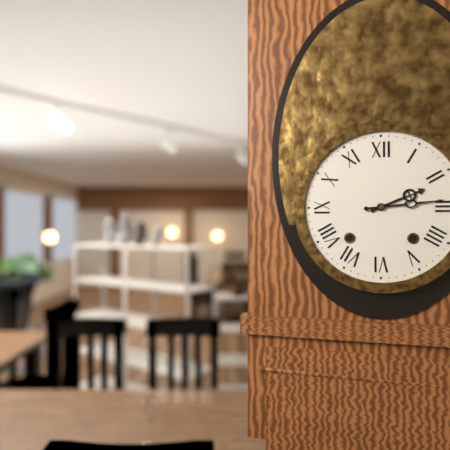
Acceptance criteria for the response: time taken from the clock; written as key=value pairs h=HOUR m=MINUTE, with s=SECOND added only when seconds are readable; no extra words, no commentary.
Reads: h=2 m=14
